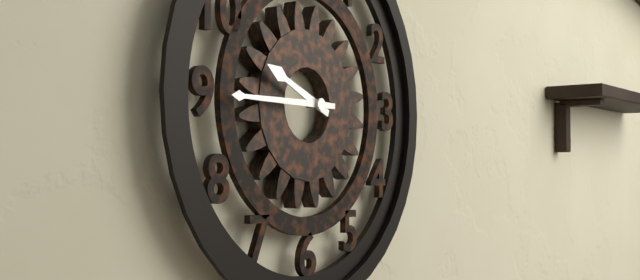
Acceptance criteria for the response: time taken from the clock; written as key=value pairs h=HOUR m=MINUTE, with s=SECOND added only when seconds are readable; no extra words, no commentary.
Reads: h=9 m=45
